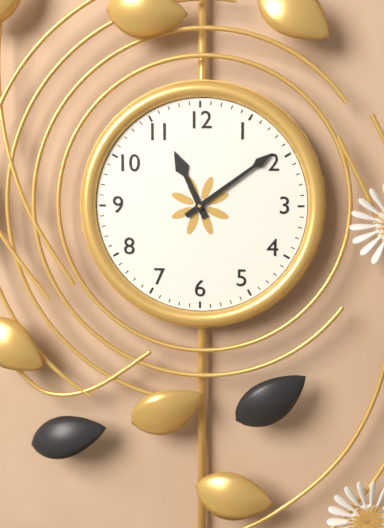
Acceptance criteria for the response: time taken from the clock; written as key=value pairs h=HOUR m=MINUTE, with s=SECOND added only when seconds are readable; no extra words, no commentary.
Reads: h=11 m=9
